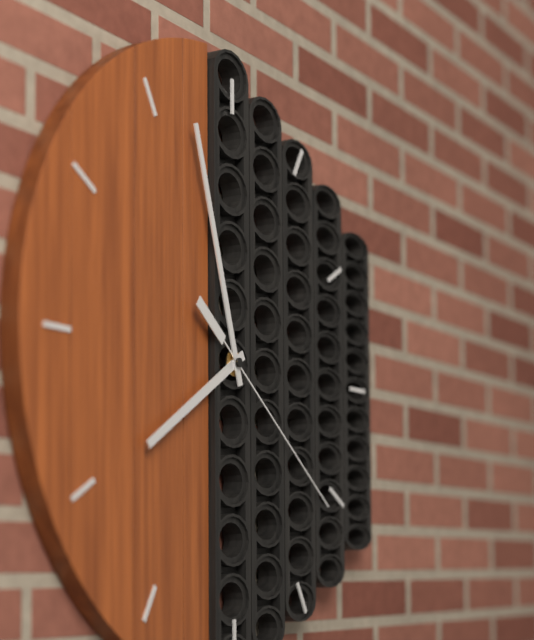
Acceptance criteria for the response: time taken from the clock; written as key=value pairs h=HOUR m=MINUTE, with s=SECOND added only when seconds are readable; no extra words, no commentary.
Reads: h=7 m=57 s=21
